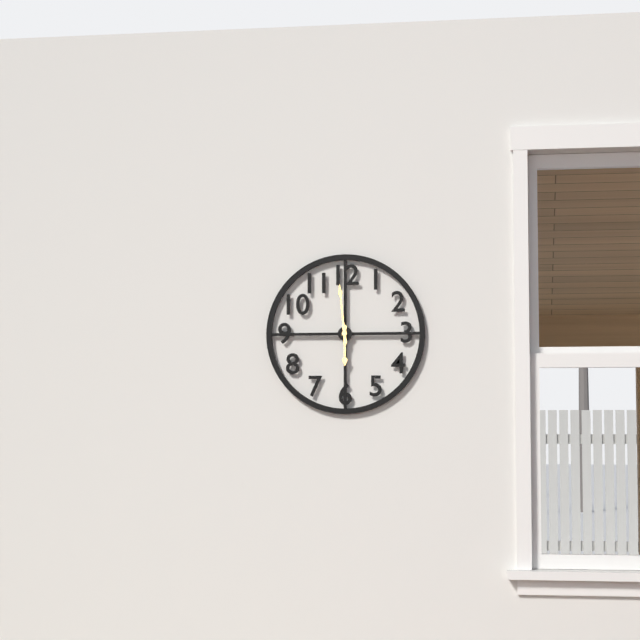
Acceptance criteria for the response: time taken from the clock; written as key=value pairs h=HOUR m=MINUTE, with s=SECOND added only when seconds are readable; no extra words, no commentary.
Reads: h=5 m=59
